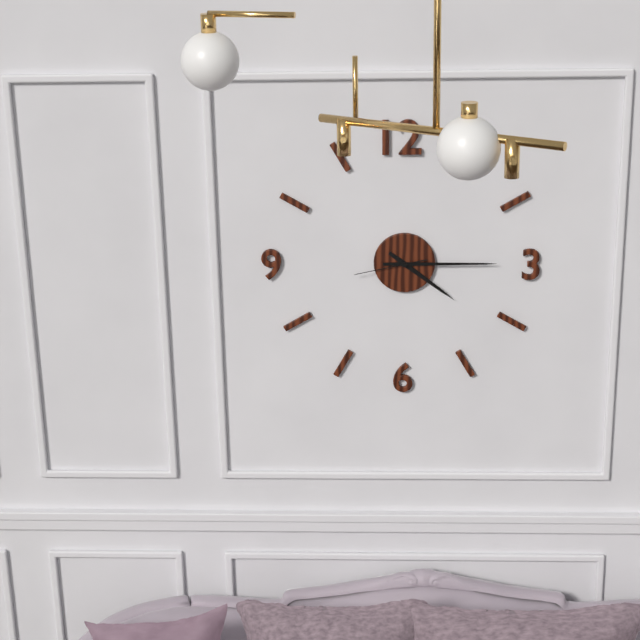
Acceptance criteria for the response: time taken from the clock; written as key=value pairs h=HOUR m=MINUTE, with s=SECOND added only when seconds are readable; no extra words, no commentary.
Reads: h=4 m=15 s=43
